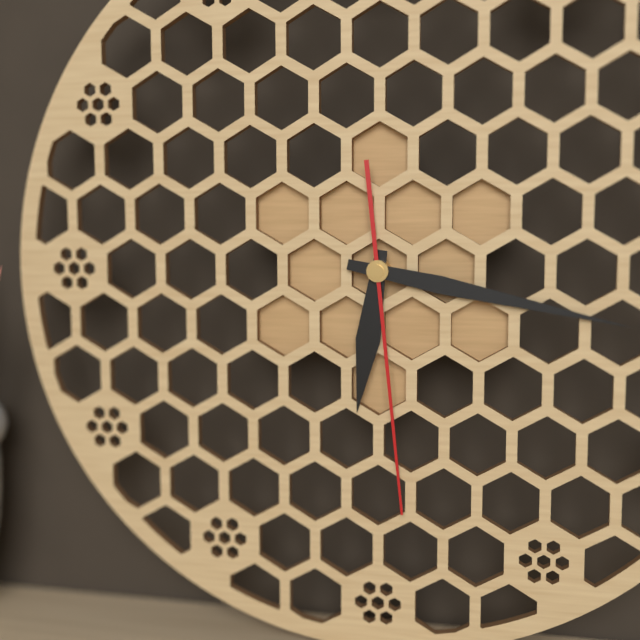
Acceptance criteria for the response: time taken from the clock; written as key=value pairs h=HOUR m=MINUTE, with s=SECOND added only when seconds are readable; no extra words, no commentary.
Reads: h=6 m=17 s=29
